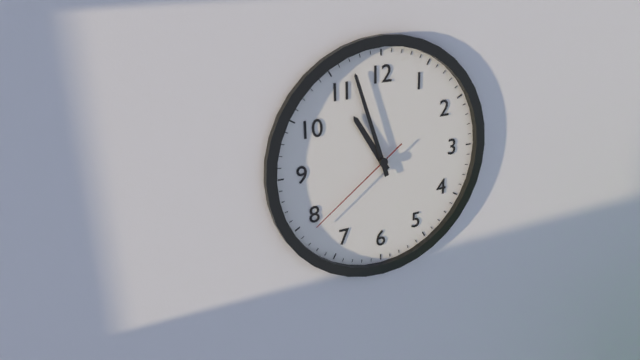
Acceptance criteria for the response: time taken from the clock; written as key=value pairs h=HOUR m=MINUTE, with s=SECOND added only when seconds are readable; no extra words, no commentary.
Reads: h=10 m=57 s=39
